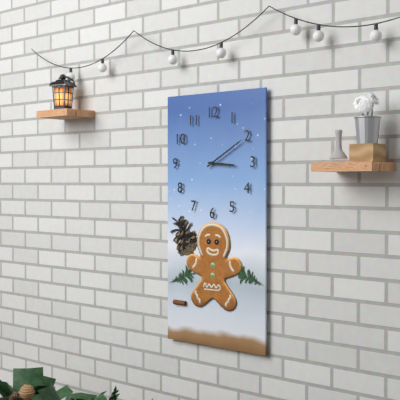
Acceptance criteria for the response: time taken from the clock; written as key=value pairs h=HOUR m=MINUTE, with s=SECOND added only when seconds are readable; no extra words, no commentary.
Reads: h=3 m=10
